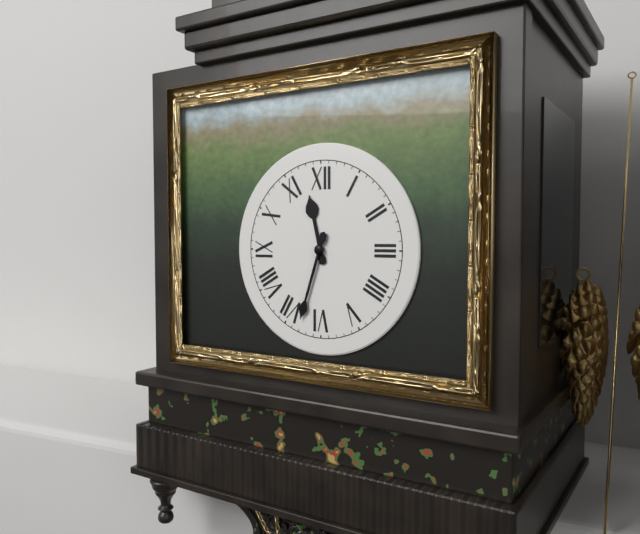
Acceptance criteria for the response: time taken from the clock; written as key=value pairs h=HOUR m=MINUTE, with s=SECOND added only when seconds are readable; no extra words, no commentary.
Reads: h=11 m=33
